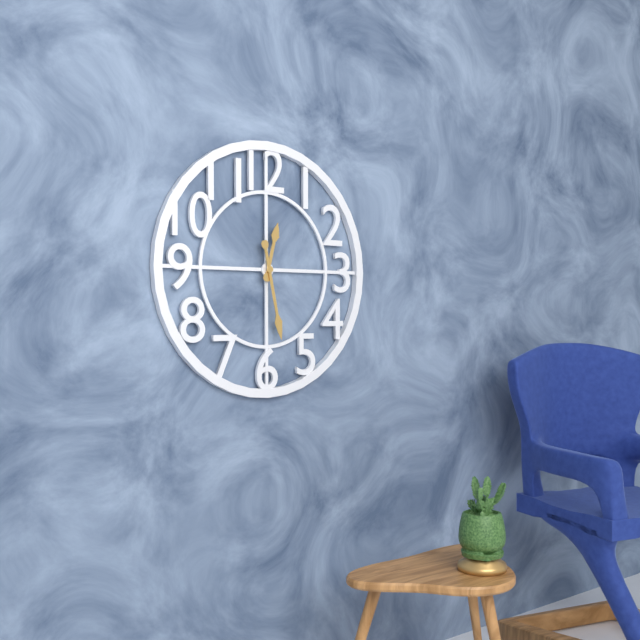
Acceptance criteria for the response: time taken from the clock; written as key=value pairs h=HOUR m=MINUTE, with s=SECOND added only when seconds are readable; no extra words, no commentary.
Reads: h=12 m=28
